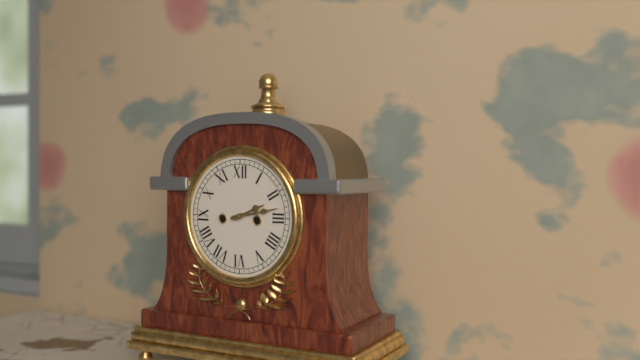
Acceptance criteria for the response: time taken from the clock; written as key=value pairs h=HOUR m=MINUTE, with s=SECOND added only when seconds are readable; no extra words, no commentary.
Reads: h=2 m=13
